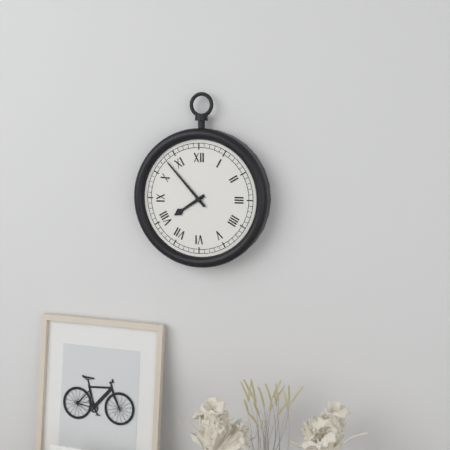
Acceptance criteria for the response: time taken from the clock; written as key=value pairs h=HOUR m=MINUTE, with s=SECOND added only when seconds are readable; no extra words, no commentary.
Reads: h=7 m=53
